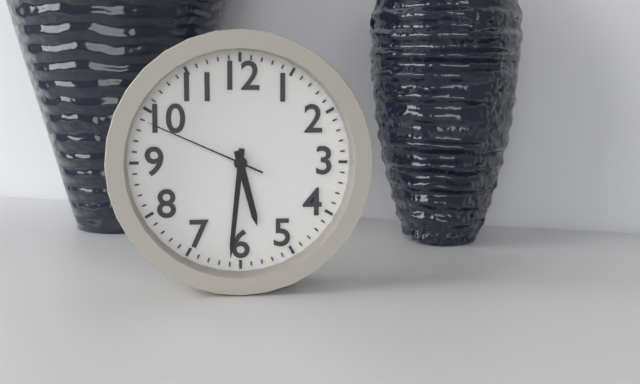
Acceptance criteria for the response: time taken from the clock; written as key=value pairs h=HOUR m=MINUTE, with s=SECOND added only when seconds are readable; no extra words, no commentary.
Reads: h=5 m=31 s=49
